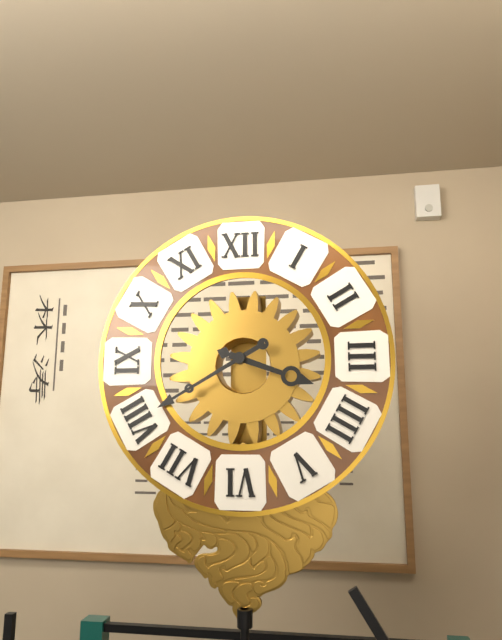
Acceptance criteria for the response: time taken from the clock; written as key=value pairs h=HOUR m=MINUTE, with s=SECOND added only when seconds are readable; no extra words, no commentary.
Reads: h=3 m=40
